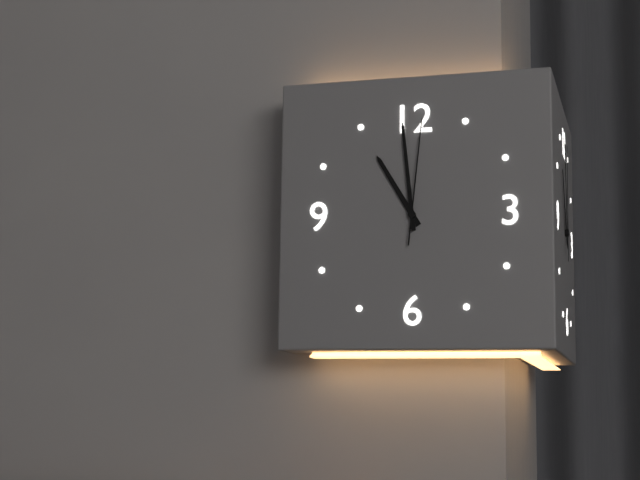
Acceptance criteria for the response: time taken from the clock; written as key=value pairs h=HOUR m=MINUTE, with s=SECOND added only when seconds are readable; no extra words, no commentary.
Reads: h=10 m=59 s=1
